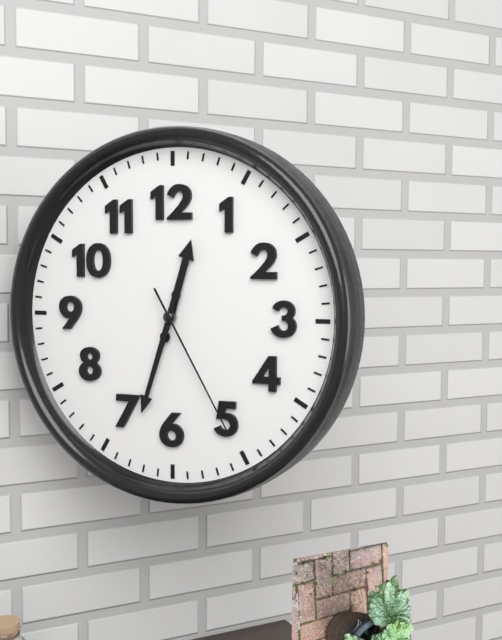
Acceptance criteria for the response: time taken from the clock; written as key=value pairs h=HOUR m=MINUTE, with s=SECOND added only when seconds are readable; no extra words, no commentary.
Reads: h=12 m=33 s=25
